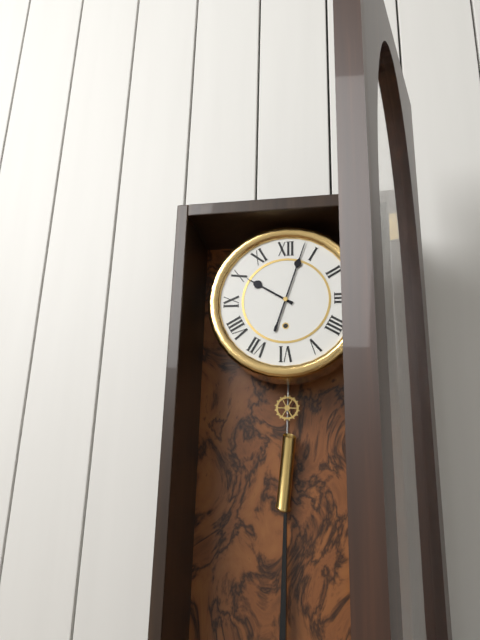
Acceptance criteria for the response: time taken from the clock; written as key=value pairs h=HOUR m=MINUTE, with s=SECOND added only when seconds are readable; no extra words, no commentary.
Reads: h=10 m=3
